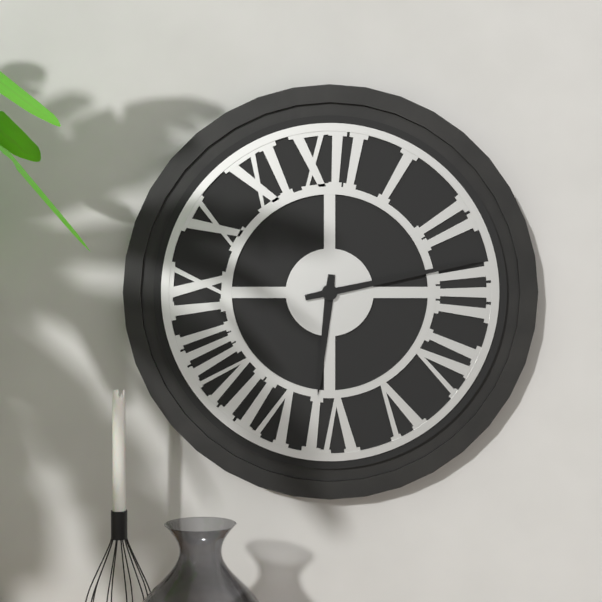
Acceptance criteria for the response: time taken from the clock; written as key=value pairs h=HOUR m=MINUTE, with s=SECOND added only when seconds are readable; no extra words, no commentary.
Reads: h=6 m=13
